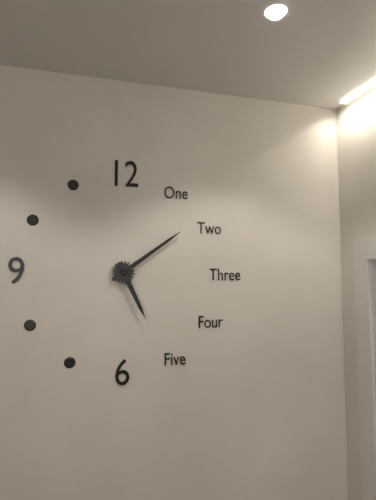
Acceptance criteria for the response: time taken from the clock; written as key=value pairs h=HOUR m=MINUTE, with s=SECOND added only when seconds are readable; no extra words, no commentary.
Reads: h=5 m=9
